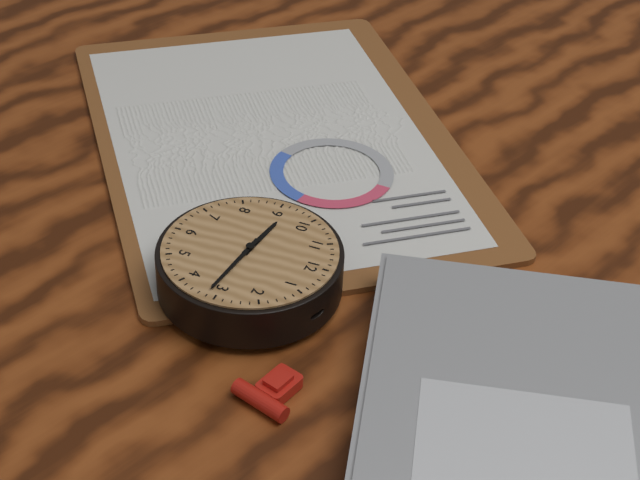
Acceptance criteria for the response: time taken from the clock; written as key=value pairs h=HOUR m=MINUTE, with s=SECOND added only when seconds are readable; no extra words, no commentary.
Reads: h=9 m=16
